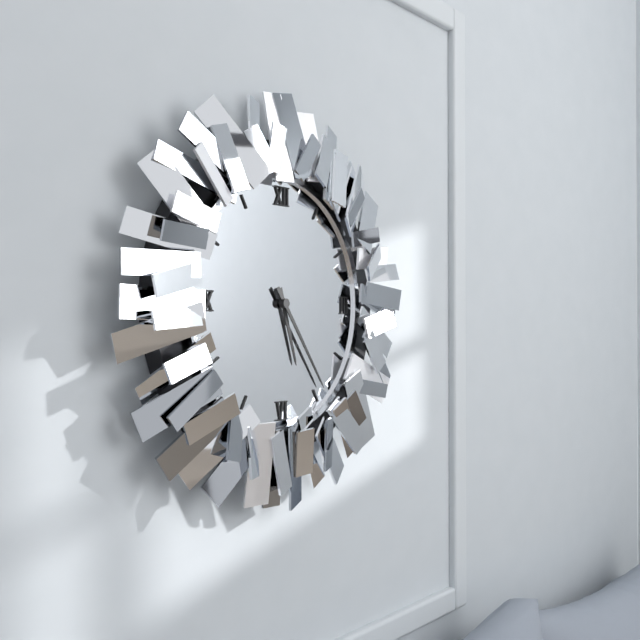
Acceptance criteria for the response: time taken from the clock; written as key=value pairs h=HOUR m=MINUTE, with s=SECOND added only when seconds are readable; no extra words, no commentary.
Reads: h=5 m=24
